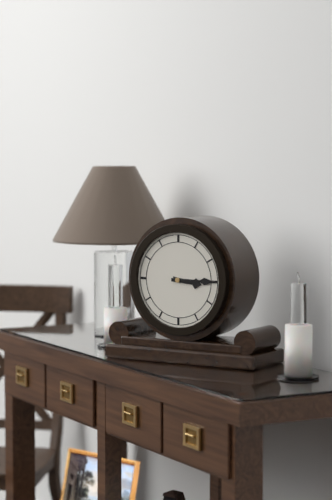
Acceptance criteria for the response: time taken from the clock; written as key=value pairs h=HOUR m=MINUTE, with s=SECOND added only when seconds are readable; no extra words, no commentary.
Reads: h=3 m=15
